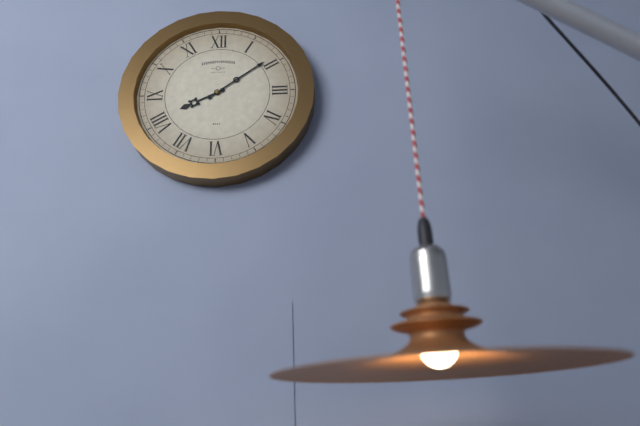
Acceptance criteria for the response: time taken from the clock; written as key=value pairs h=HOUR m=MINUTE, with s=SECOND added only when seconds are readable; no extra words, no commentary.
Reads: h=8 m=9
